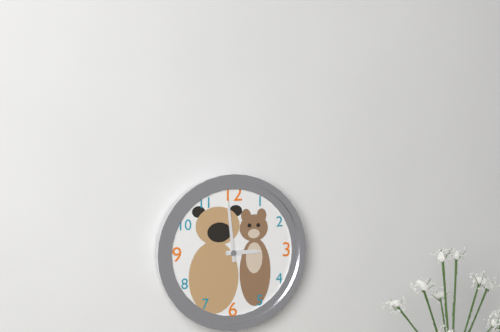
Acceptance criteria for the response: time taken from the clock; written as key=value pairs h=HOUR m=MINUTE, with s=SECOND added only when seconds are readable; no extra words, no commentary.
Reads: h=2 m=59
